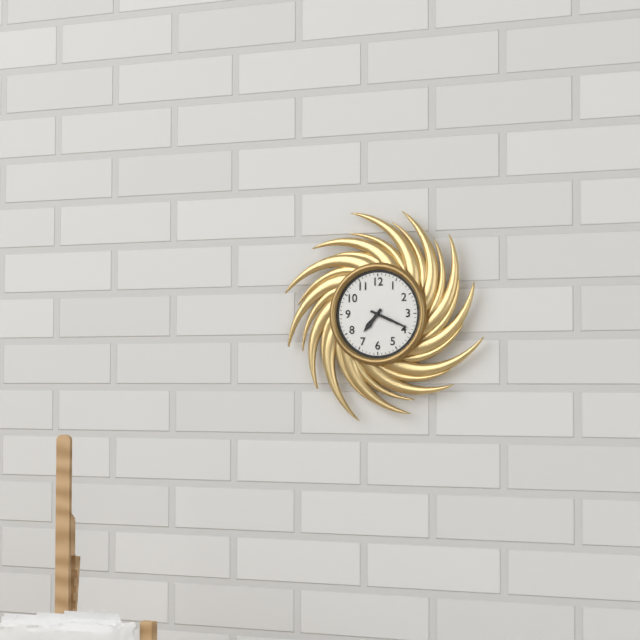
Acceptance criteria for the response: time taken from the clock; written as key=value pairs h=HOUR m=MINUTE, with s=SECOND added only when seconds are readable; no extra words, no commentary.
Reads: h=7 m=19
